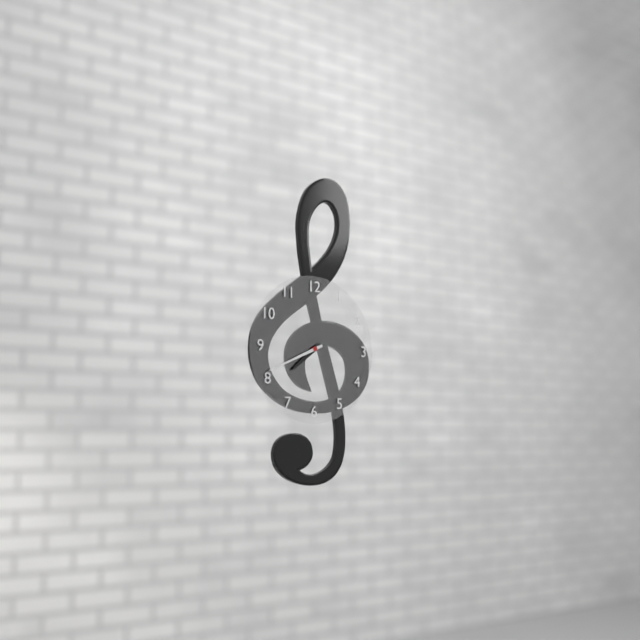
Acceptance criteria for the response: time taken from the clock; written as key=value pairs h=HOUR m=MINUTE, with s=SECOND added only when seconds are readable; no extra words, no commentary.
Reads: h=7 m=41
